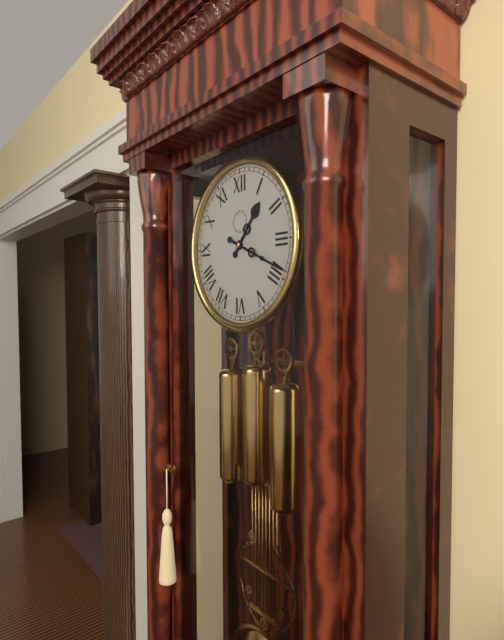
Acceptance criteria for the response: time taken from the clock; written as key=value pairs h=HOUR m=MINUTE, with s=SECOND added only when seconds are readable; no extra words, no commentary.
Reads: h=1 m=19
